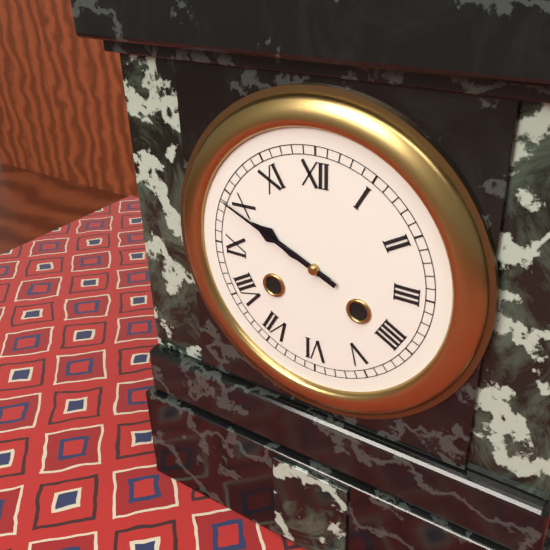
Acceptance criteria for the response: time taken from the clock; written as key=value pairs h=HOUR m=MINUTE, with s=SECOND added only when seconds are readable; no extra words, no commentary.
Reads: h=9 m=49
